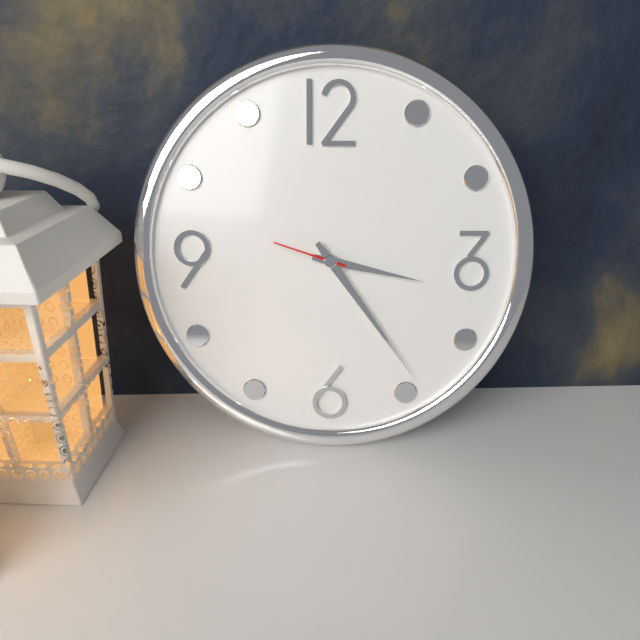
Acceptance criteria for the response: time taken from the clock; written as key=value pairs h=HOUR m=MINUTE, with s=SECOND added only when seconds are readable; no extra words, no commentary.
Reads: h=3 m=24 s=48
